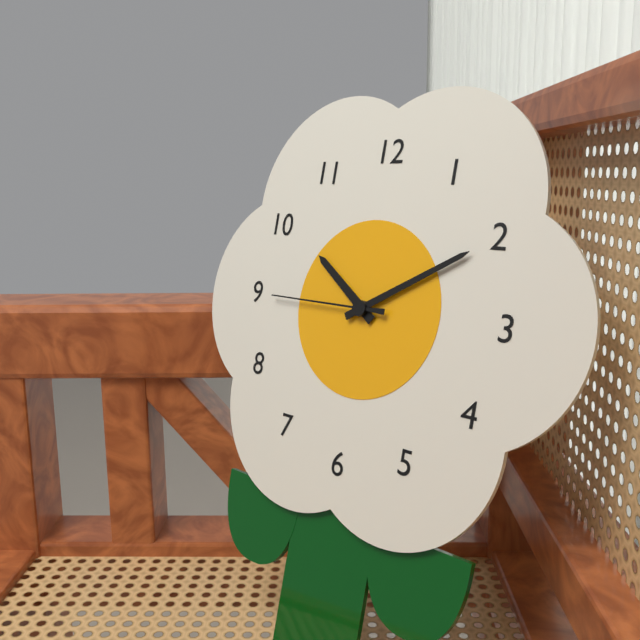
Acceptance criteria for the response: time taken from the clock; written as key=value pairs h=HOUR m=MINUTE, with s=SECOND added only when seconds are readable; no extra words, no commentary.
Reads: h=10 m=10 s=45
